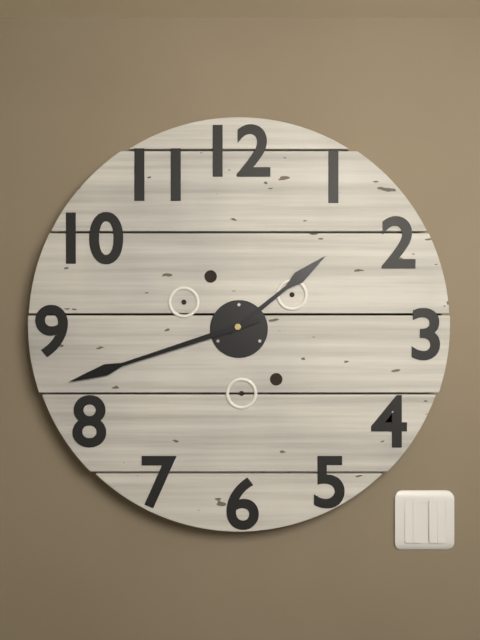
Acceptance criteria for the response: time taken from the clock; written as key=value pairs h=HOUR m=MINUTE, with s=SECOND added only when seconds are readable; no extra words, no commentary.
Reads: h=1 m=42
